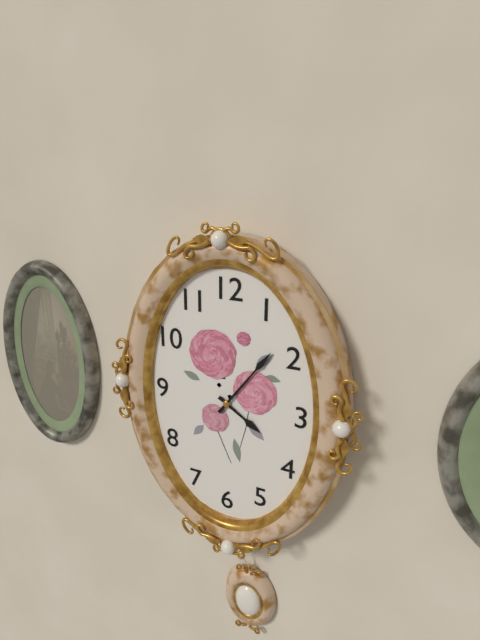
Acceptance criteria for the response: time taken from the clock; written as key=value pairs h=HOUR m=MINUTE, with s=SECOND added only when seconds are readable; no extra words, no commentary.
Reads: h=4 m=6
